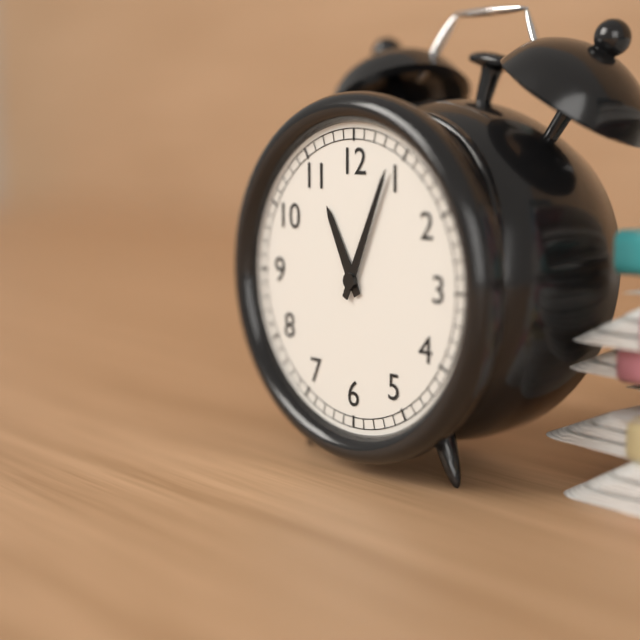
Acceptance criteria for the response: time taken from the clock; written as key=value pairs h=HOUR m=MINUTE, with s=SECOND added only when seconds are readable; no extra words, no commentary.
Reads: h=11 m=4
